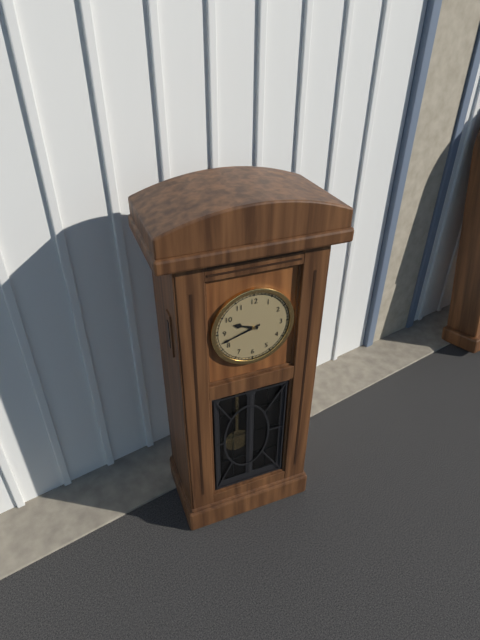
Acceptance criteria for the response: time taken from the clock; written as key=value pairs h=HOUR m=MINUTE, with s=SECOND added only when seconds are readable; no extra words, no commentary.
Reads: h=9 m=42
